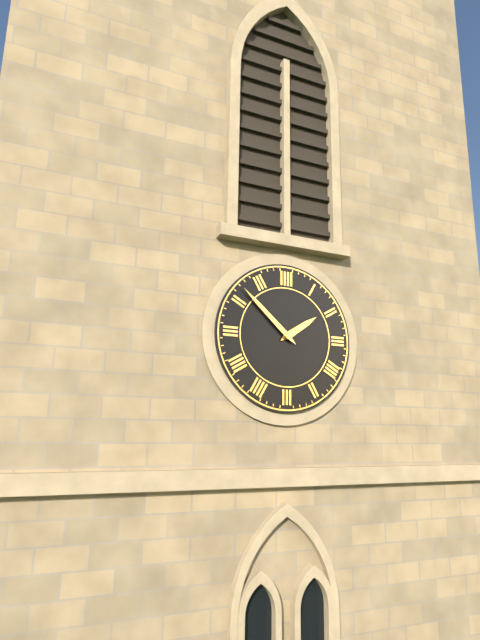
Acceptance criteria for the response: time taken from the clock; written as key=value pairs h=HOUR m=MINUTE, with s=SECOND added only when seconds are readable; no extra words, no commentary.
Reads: h=1 m=52
